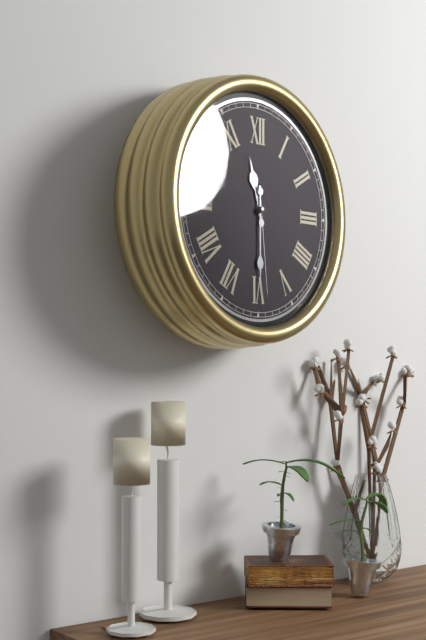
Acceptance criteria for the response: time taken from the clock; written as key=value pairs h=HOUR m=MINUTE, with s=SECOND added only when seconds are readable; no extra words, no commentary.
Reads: h=11 m=30 s=29
